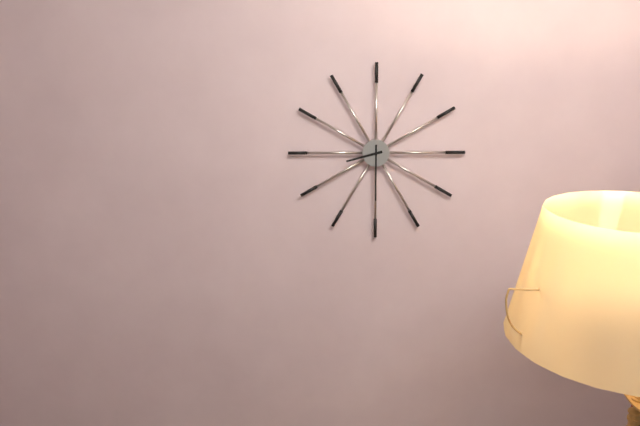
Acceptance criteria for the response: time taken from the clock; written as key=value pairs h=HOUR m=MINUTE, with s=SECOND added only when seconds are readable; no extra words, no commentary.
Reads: h=8 m=30
